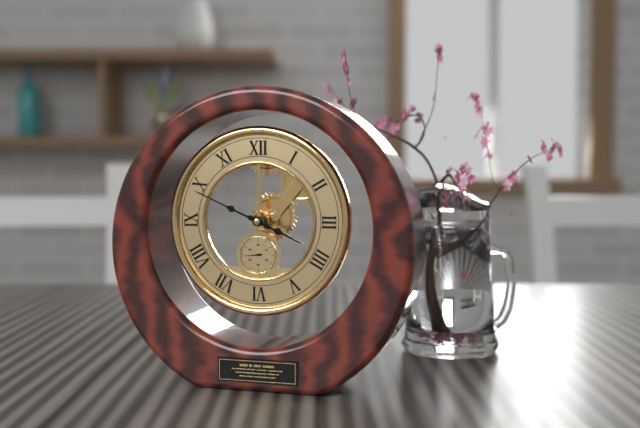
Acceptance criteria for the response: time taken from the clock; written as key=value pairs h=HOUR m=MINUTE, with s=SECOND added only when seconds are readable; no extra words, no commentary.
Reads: h=3 m=49
